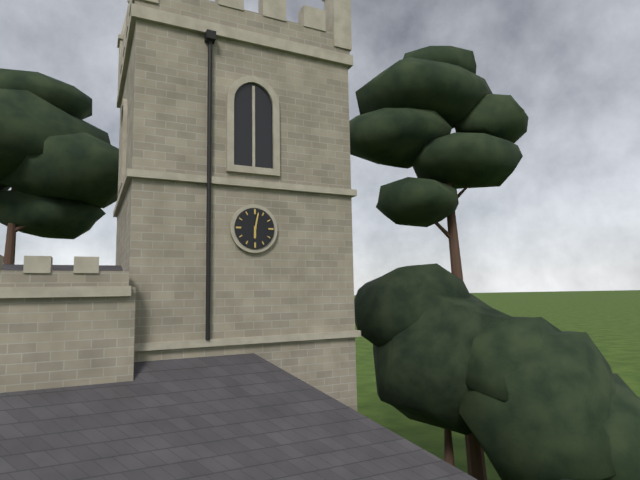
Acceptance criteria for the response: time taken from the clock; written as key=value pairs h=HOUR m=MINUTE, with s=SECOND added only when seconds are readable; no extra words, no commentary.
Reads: h=6 m=2
